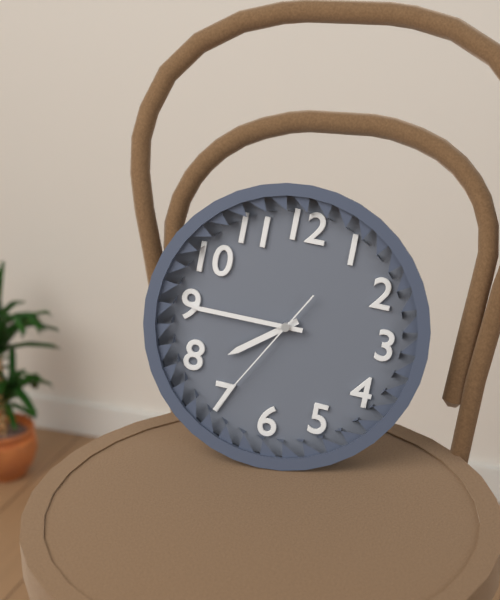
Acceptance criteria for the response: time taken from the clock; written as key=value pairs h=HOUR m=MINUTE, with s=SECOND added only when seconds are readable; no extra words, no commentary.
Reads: h=7 m=45 s=35
